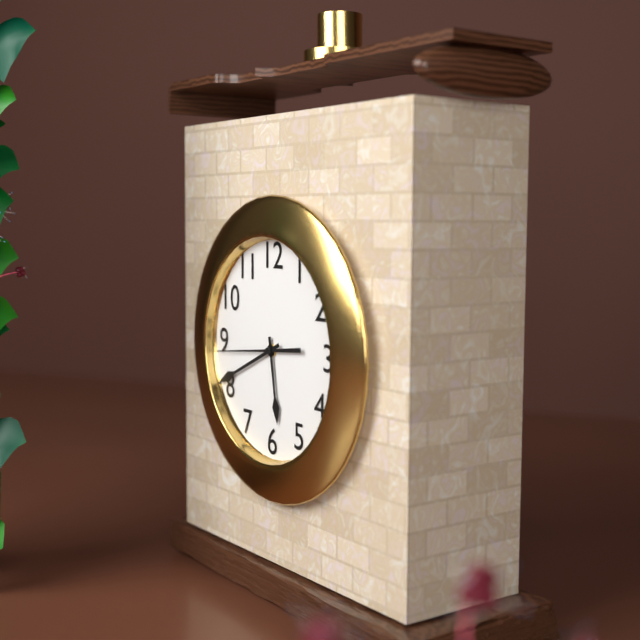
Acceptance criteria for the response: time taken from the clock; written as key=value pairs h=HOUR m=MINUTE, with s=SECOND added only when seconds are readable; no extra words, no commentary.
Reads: h=5 m=41 s=44
